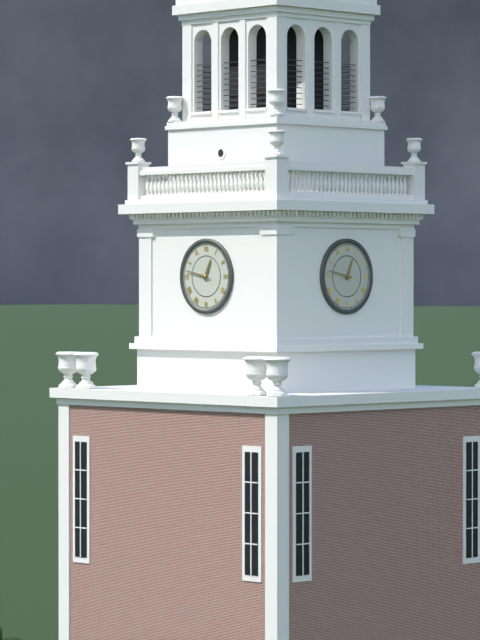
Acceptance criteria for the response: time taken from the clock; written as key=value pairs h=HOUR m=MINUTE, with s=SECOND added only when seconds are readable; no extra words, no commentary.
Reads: h=12 m=47
